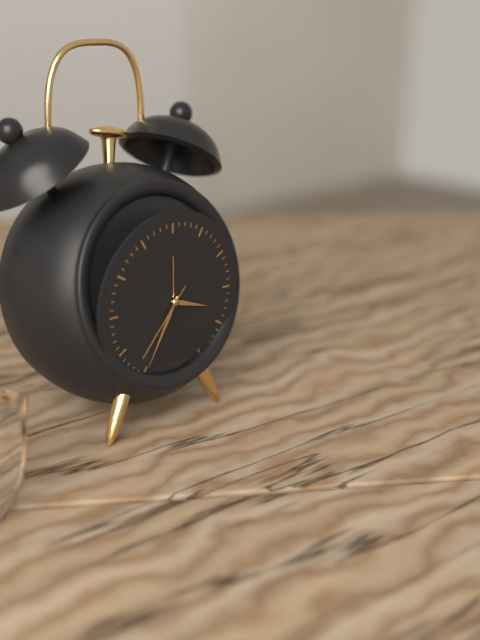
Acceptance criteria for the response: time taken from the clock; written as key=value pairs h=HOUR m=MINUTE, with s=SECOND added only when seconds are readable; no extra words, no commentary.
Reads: h=3 m=35 s=37
